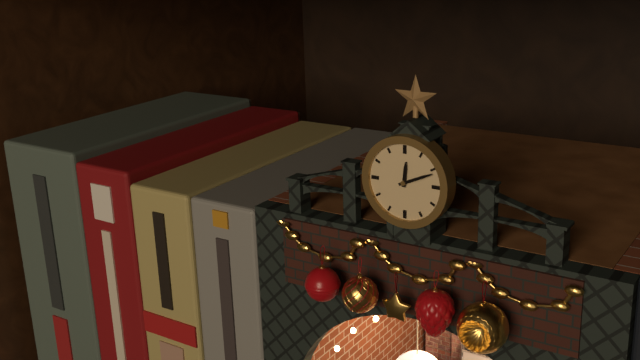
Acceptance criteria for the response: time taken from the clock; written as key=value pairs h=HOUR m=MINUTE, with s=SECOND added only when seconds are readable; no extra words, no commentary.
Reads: h=12 m=11
